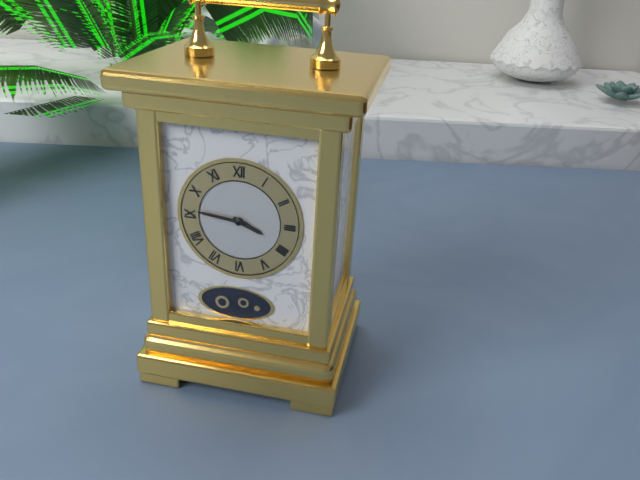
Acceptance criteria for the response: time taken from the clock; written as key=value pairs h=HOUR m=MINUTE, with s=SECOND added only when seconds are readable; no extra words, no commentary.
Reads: h=3 m=46
